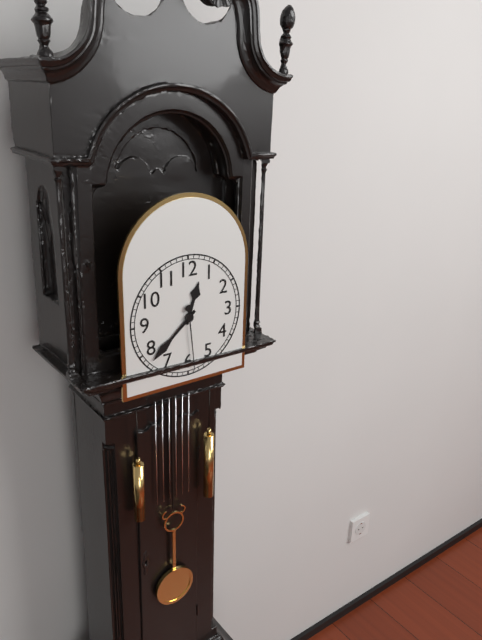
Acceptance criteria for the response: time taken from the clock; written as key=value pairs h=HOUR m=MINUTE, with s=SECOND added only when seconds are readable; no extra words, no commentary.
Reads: h=12 m=38 s=29
